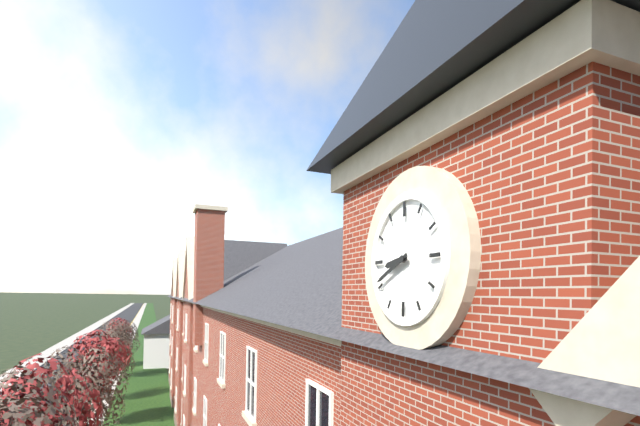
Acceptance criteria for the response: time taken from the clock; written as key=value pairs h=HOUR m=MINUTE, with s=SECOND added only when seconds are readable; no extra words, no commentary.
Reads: h=8 m=41
